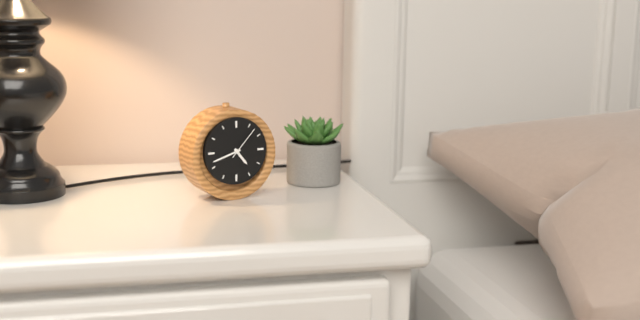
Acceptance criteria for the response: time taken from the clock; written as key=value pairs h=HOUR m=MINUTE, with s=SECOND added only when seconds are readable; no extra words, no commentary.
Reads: h=4 m=42
